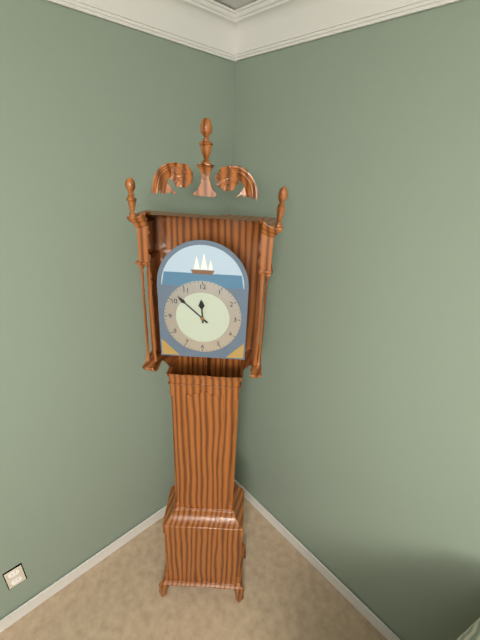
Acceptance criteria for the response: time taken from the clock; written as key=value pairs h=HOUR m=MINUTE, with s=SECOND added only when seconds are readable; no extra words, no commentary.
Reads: h=11 m=52
